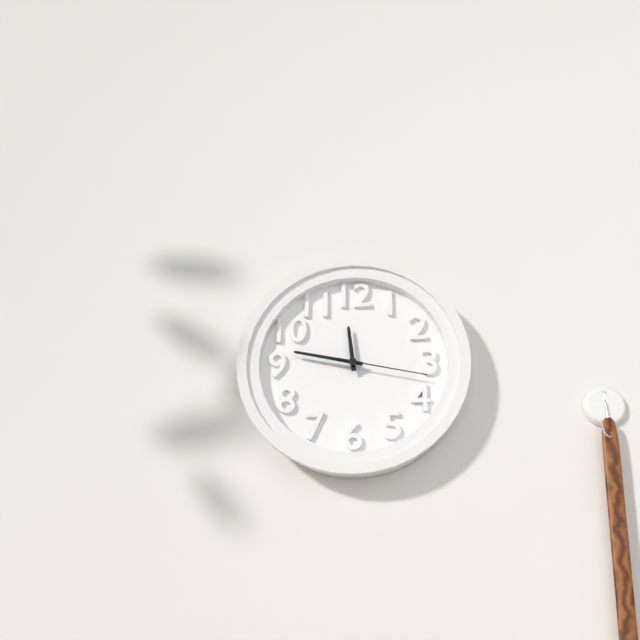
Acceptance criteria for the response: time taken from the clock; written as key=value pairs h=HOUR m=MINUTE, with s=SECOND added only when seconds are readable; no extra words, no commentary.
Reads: h=11 m=47 s=17
